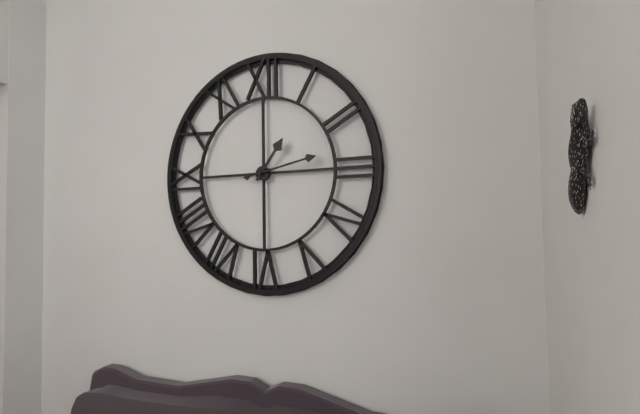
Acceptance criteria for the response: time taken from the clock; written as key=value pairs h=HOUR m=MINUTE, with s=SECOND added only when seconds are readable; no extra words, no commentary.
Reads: h=1 m=13
